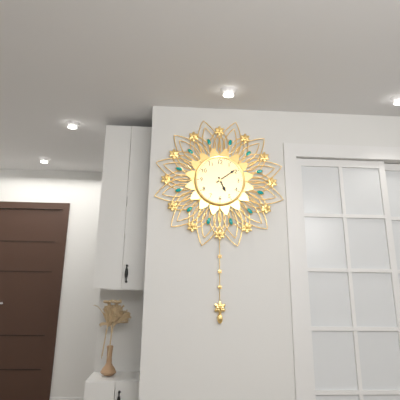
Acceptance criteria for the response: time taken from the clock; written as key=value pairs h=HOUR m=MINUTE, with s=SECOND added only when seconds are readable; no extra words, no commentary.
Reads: h=5 m=9
